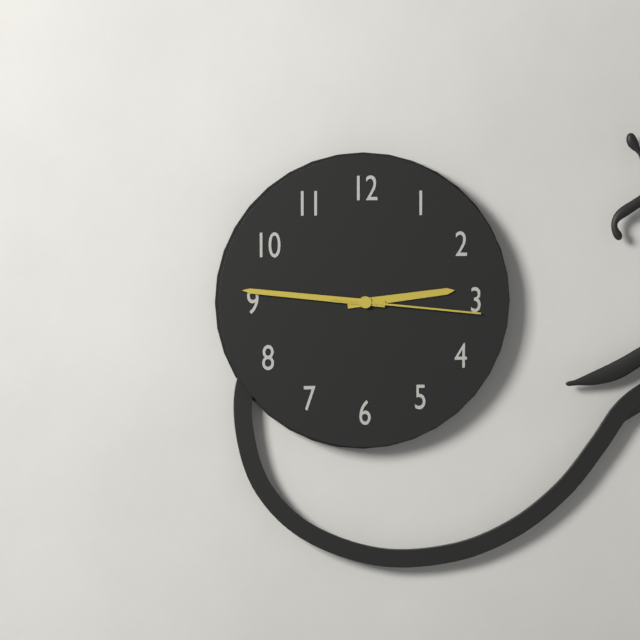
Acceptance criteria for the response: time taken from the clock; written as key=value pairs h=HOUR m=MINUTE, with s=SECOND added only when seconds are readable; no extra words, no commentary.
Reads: h=2 m=46 s=16
